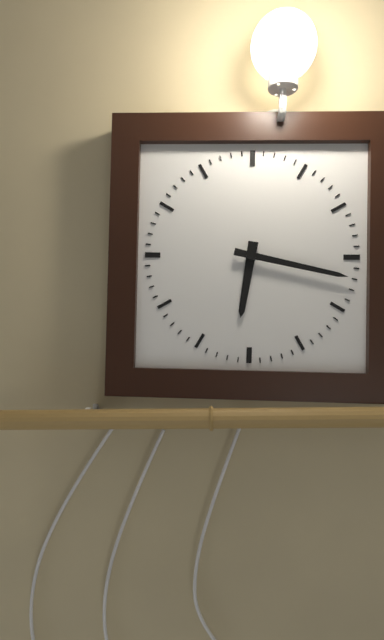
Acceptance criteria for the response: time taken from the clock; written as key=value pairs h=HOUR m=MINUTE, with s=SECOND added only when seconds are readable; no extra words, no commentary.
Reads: h=6 m=17
